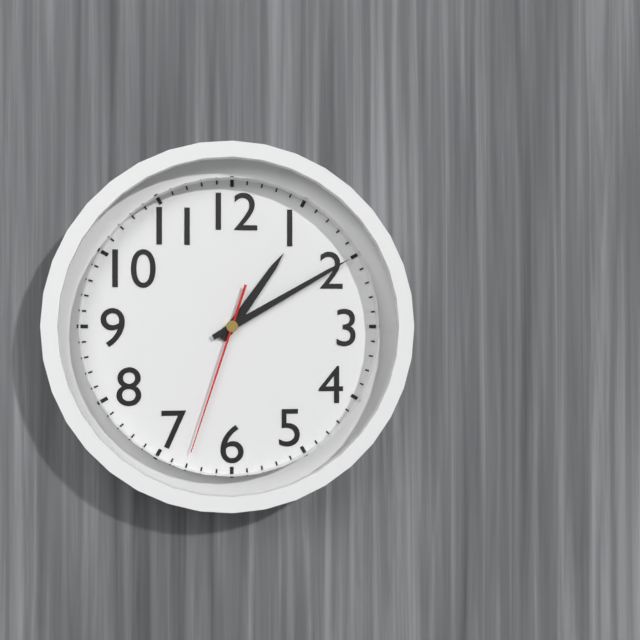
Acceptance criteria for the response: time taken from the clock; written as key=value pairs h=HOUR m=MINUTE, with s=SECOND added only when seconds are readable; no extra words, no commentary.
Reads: h=1 m=10 s=33
